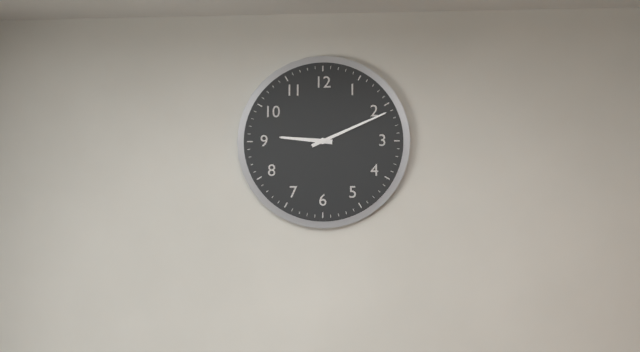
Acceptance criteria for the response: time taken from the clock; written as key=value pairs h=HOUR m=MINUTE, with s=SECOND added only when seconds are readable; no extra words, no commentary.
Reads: h=9 m=11
